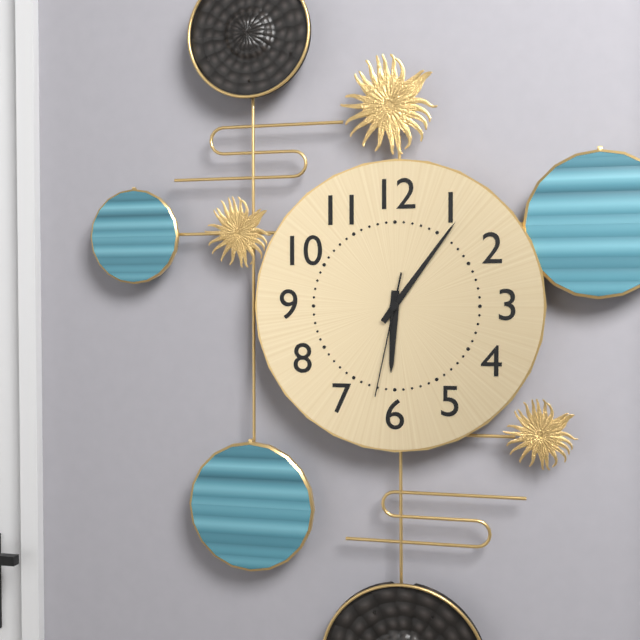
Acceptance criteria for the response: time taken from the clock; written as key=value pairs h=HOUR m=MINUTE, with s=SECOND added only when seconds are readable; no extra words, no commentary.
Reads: h=6 m=6 s=32
